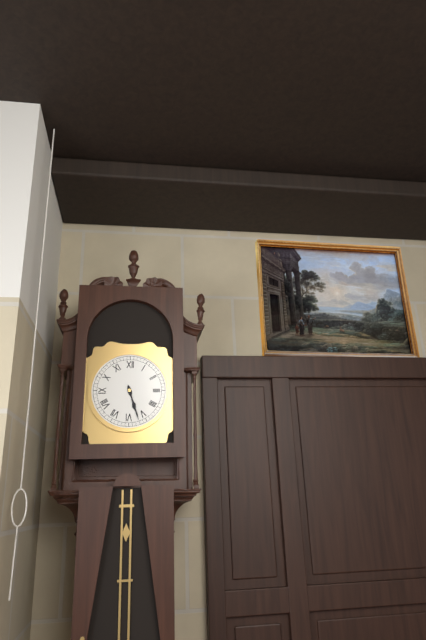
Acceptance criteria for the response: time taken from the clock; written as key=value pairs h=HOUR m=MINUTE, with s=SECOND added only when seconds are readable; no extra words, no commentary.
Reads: h=5 m=27
